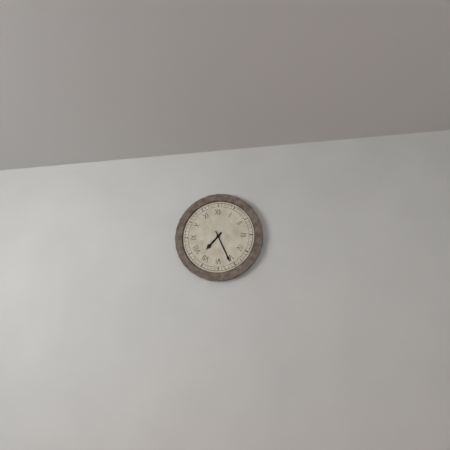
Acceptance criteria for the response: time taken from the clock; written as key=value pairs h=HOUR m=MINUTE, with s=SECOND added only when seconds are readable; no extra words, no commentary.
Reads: h=7 m=26
